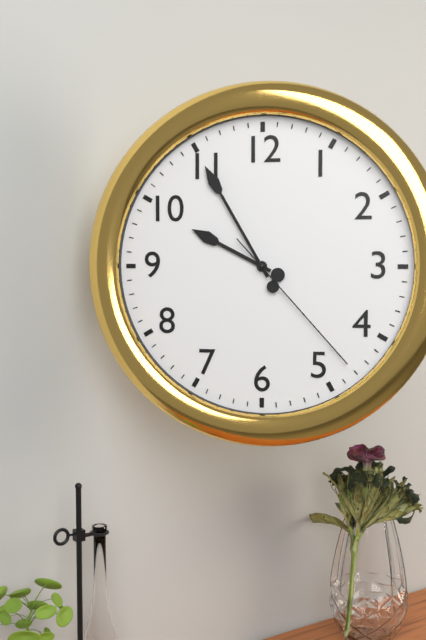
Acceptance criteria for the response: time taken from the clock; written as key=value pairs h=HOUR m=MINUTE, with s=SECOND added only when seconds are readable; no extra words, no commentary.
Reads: h=9 m=55 s=23
